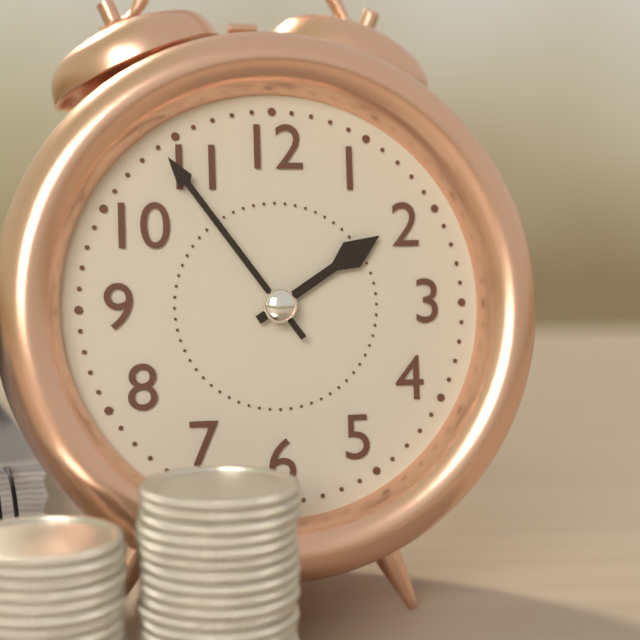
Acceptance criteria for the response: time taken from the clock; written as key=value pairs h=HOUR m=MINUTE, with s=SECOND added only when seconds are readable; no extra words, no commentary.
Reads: h=1 m=54
